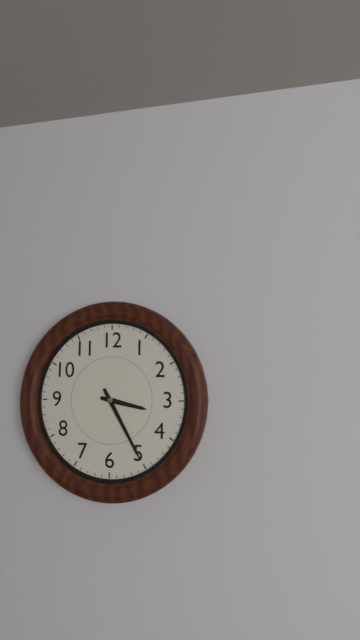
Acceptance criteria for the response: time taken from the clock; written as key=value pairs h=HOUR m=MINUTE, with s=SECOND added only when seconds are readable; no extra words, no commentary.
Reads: h=3 m=25
